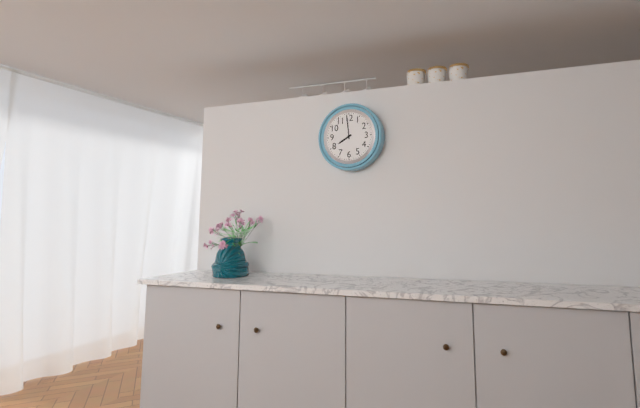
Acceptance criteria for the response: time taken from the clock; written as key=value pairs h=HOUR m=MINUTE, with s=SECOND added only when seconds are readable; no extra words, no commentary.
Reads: h=7 m=59
